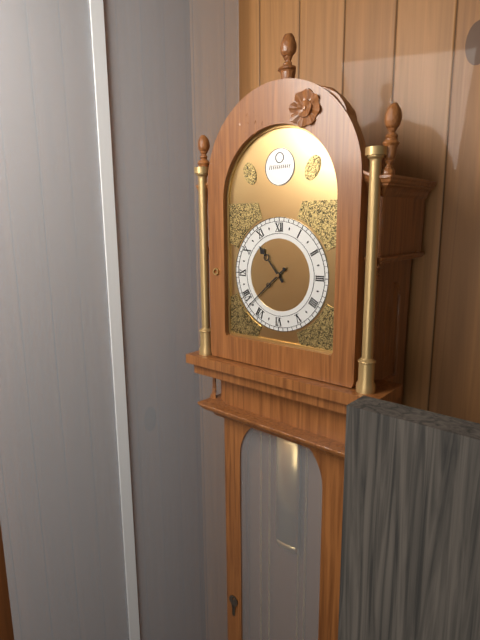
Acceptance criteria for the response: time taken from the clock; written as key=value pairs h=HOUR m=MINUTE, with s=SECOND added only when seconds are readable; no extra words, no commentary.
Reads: h=10 m=38
